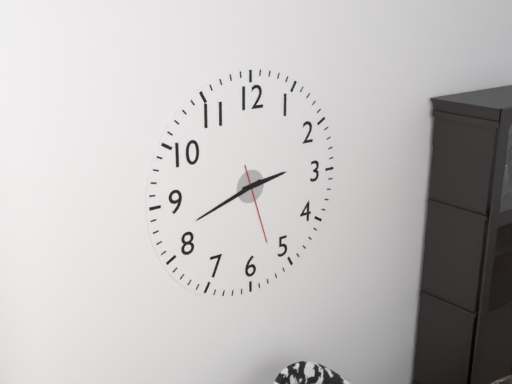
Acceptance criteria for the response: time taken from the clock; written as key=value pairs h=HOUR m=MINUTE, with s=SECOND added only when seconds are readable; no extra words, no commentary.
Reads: h=2 m=42 s=27
